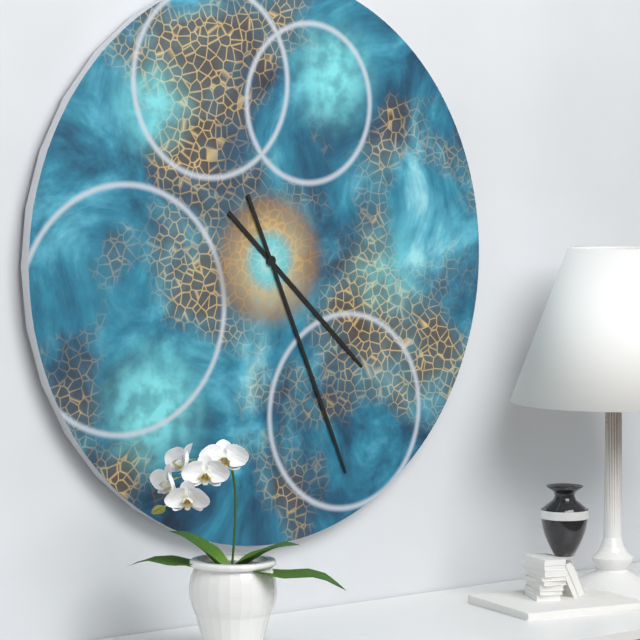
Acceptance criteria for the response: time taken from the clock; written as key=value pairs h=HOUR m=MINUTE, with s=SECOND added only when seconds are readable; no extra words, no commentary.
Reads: h=4 m=26
